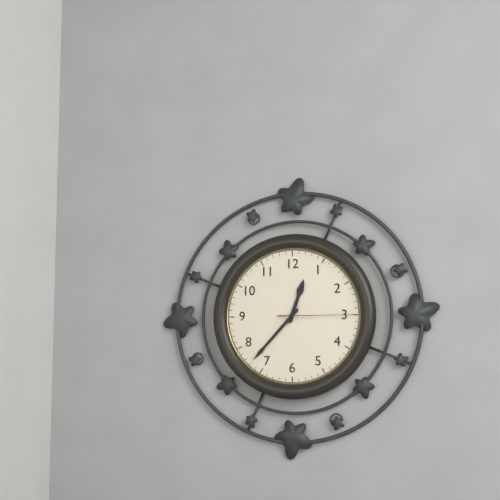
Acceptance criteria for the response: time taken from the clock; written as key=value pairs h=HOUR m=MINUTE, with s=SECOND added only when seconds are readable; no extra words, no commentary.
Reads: h=12 m=37 s=15
